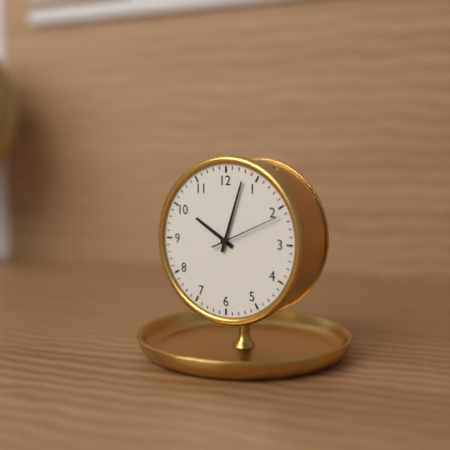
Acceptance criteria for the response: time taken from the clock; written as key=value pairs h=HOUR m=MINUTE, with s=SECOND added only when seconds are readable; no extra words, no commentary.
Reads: h=10 m=3 s=11
